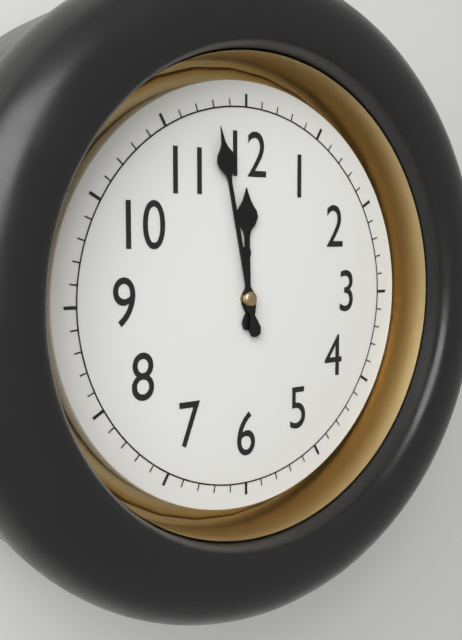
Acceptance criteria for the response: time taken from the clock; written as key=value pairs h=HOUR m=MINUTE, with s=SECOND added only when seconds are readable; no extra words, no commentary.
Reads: h=11 m=58
